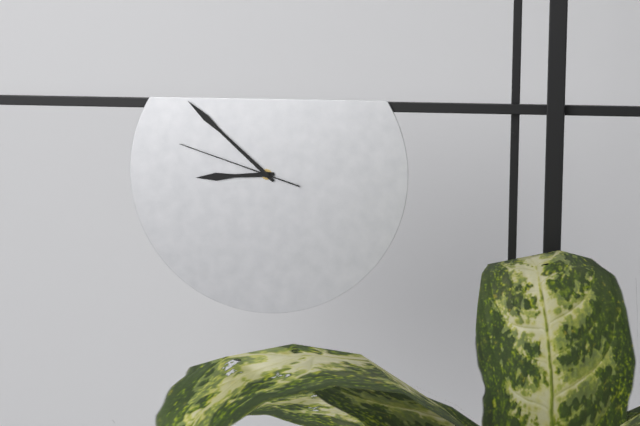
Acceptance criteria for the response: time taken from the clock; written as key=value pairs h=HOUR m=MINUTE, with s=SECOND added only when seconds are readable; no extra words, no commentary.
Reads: h=8 m=52 s=48
